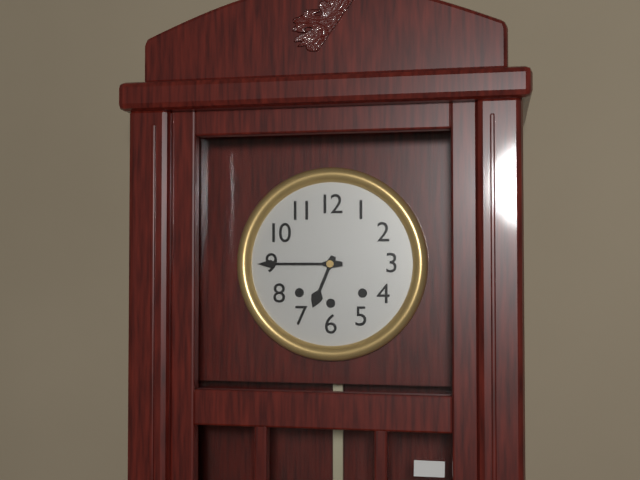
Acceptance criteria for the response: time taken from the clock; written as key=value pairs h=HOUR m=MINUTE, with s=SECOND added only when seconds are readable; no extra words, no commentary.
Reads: h=6 m=45
